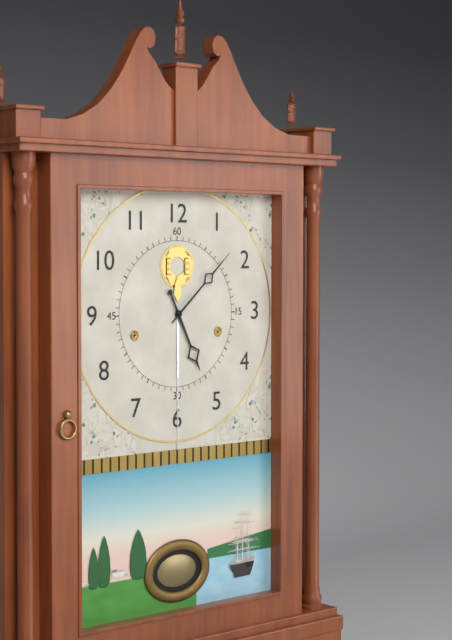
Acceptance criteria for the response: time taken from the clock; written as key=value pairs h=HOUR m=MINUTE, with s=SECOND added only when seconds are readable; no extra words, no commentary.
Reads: h=5 m=8
